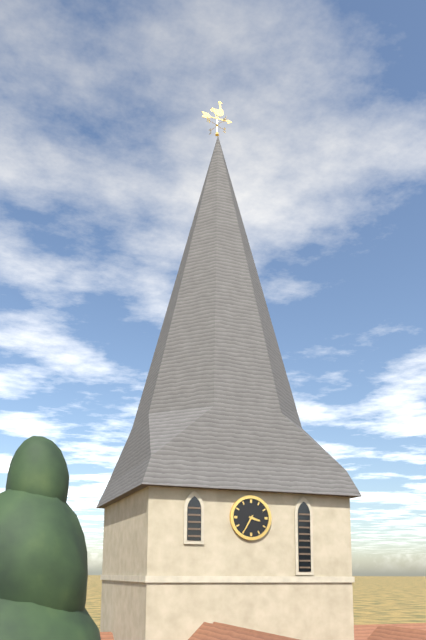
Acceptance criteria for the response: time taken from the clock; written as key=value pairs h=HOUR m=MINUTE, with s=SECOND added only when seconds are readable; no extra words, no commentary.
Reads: h=3 m=35
